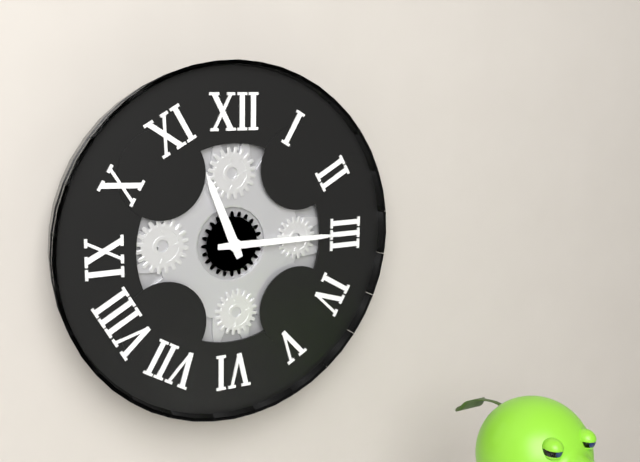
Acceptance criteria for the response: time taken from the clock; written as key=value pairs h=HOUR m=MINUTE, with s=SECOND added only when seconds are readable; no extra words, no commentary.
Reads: h=11 m=15
